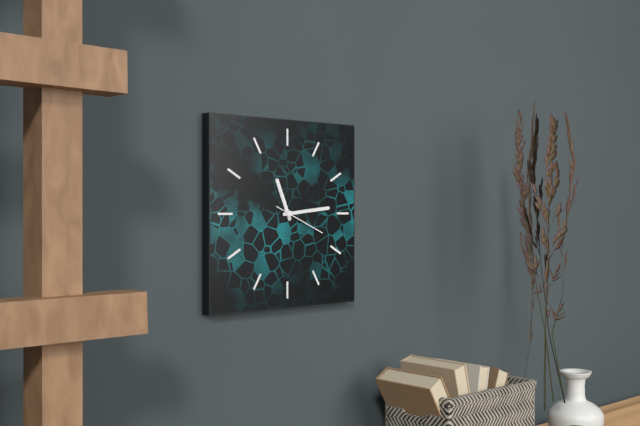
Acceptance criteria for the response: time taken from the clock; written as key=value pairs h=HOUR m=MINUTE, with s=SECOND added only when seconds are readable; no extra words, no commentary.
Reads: h=11 m=14 s=19
